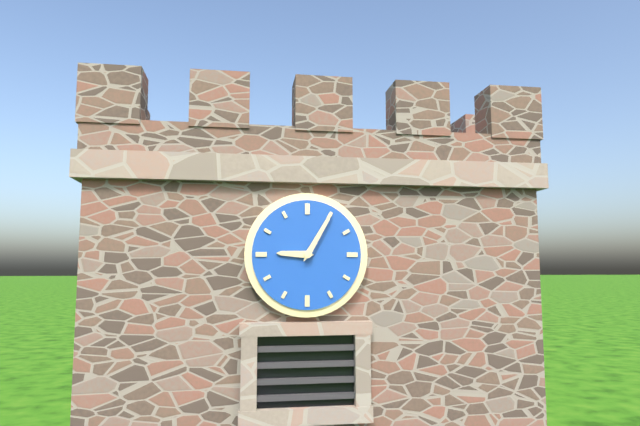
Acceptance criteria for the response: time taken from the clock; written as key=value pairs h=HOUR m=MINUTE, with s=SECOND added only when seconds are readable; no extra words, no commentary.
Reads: h=9 m=5
